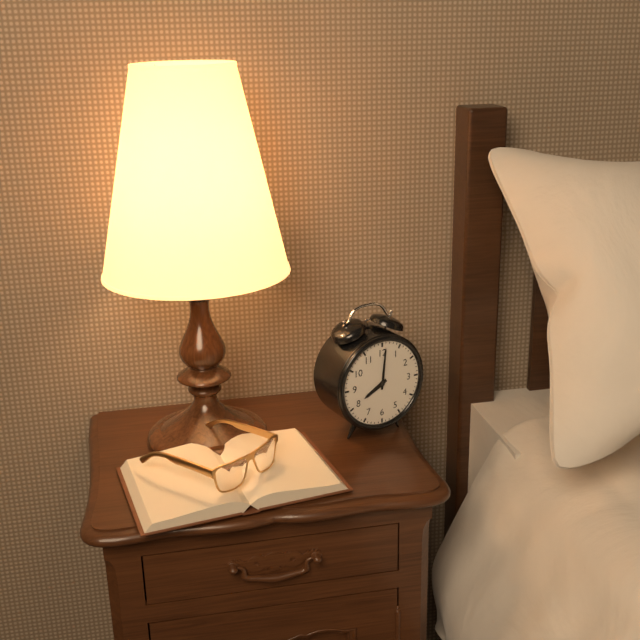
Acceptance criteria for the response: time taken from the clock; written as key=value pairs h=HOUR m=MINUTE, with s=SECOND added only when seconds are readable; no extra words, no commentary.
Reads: h=8 m=1
